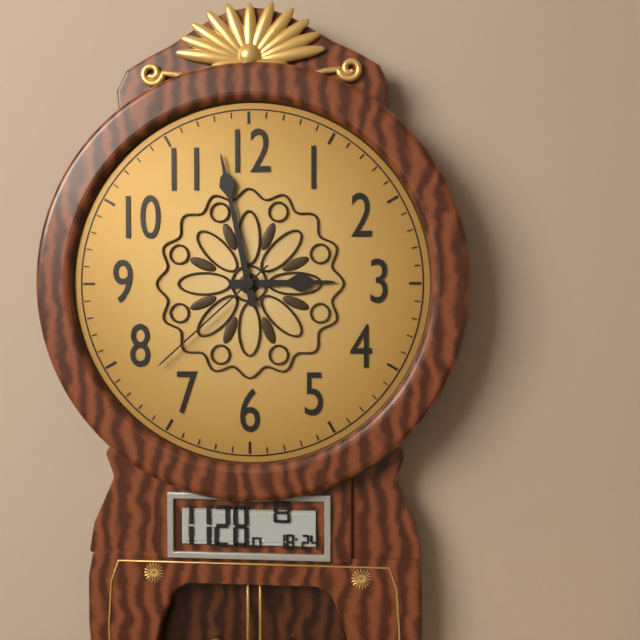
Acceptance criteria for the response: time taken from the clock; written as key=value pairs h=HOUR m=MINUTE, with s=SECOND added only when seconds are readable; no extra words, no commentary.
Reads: h=2 m=58 s=38
